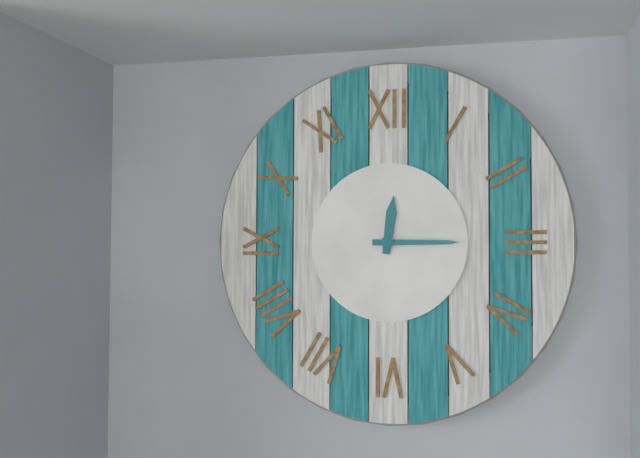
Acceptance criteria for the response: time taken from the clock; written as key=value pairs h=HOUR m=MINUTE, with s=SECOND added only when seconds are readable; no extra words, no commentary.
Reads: h=12 m=15
